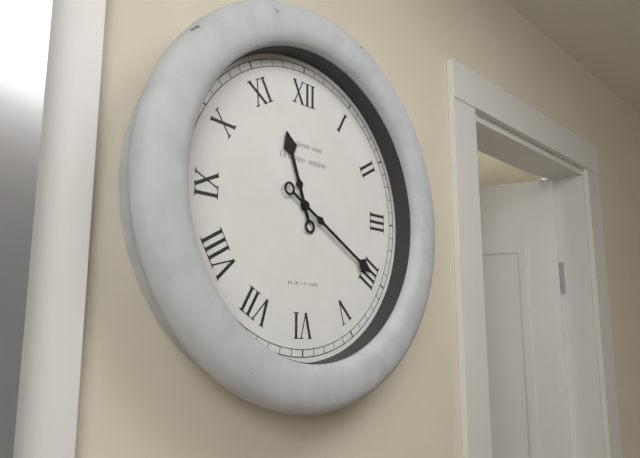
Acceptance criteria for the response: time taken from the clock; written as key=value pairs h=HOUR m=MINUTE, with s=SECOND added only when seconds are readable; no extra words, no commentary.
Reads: h=11 m=20
